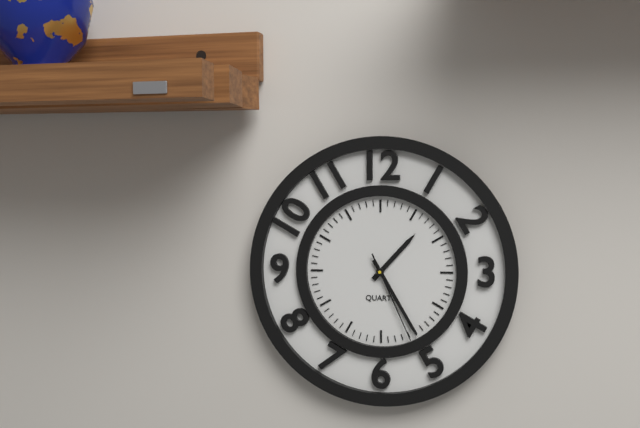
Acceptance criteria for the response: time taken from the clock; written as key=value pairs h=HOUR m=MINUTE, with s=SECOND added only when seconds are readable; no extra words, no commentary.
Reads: h=1 m=25 s=26
